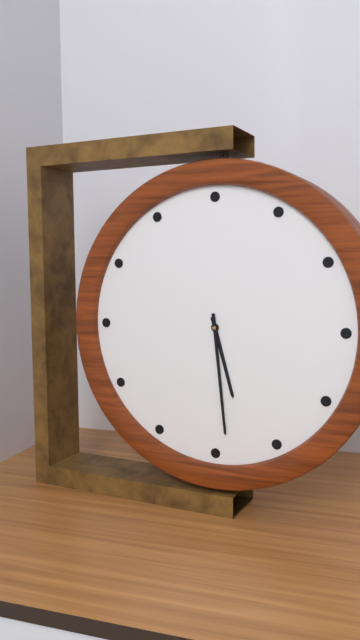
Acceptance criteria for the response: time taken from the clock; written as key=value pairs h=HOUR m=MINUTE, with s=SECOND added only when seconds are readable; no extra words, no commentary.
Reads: h=5 m=29
